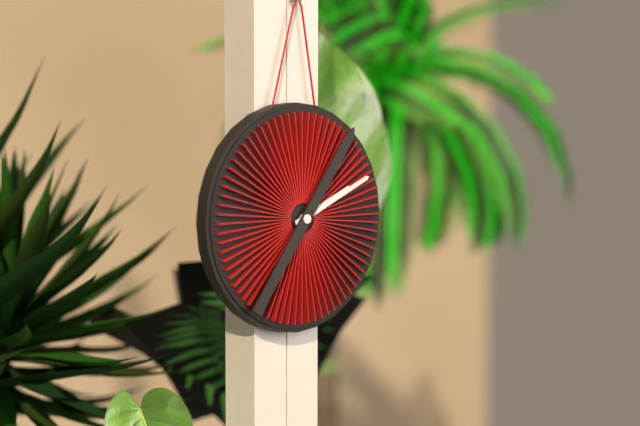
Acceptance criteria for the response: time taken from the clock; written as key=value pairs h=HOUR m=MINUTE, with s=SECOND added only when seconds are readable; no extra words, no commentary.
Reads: h=2 m=11 s=6
